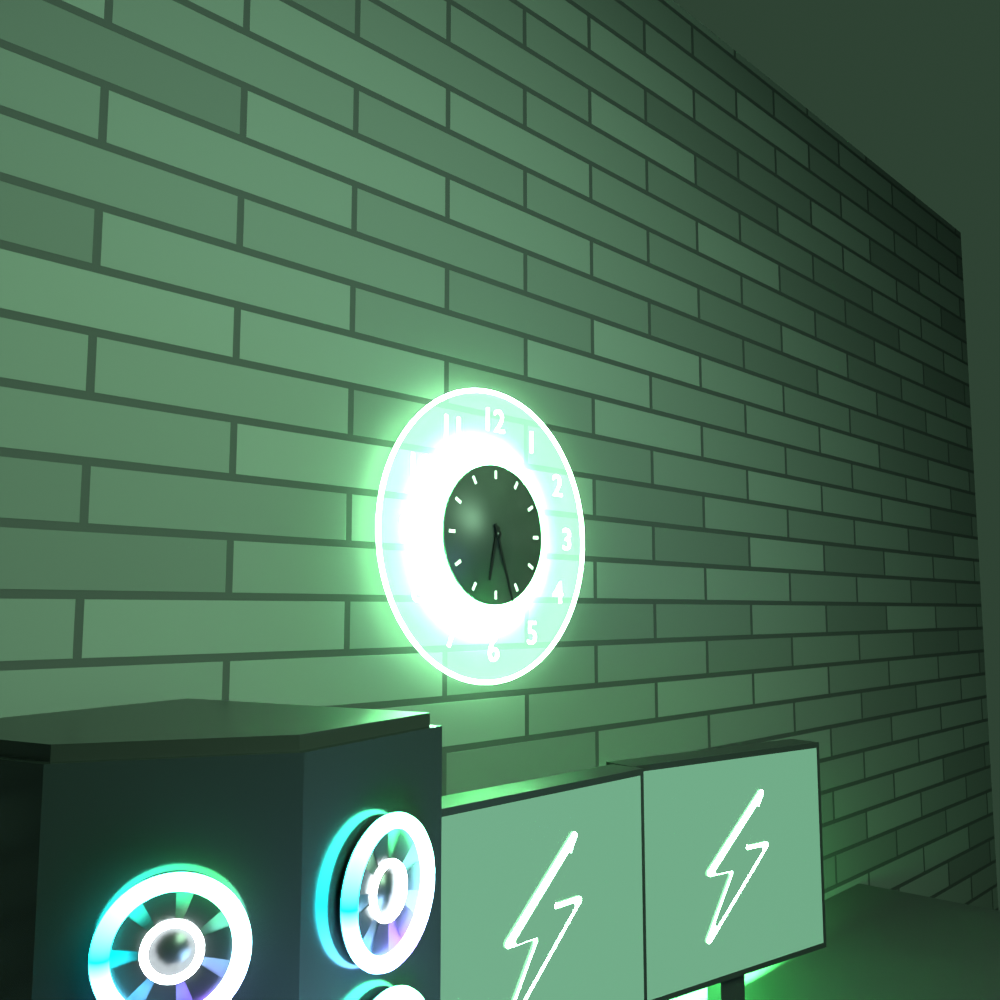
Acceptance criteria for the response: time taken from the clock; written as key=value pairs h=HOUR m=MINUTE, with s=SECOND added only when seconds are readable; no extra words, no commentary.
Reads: h=6 m=27
